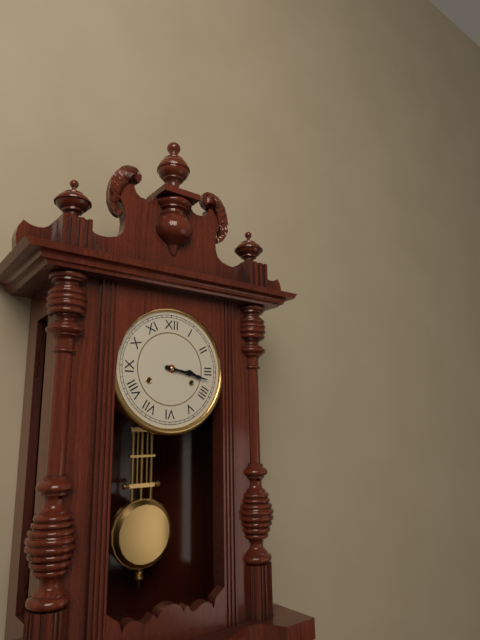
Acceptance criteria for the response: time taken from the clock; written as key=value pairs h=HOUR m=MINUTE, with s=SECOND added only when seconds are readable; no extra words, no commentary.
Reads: h=3 m=17
